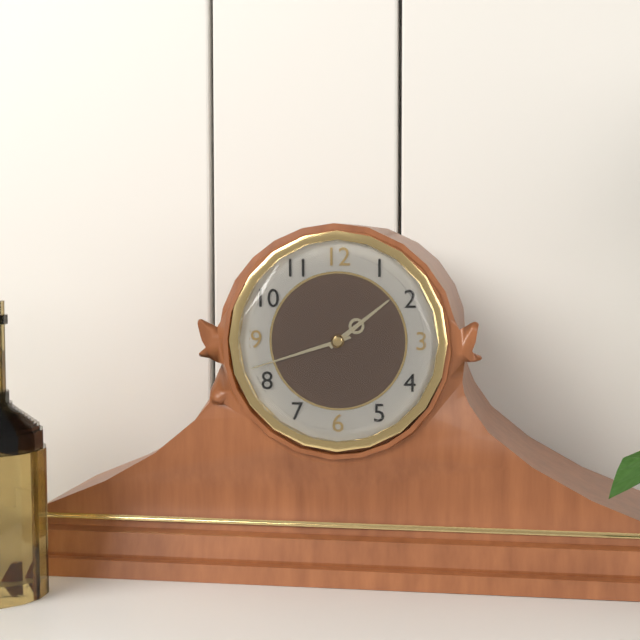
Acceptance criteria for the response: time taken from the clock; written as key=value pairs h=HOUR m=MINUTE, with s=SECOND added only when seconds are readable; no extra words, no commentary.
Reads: h=1 m=42
